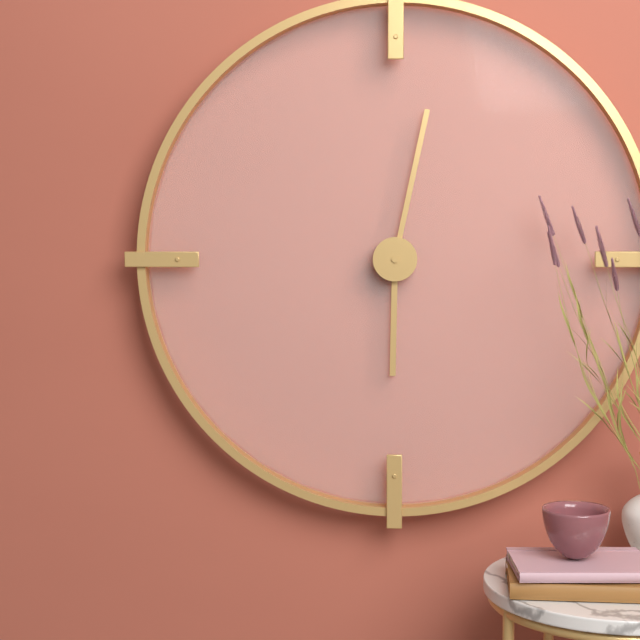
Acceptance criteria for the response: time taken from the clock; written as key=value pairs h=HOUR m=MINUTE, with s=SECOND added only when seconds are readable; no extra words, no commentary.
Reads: h=6 m=2
